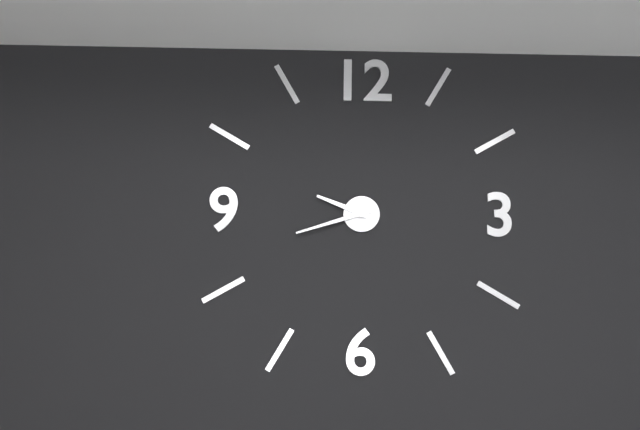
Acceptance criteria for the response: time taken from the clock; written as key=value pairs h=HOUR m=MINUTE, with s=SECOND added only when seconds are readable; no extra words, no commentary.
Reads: h=9 m=42
